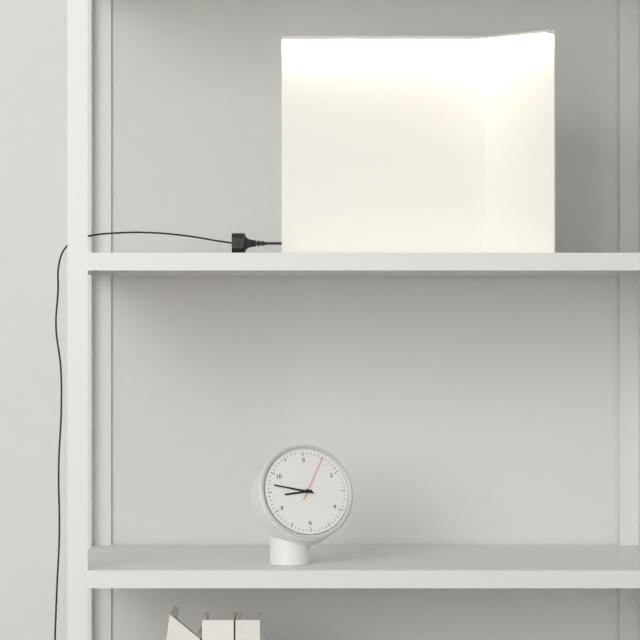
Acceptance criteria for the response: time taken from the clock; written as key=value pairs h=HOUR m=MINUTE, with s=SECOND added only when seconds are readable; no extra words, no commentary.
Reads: h=8 m=47
